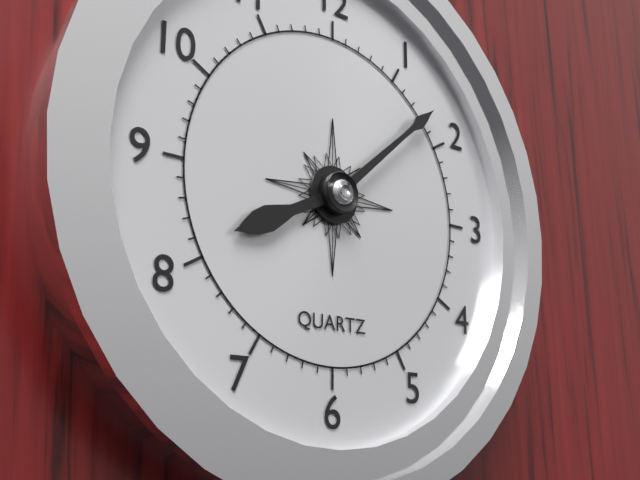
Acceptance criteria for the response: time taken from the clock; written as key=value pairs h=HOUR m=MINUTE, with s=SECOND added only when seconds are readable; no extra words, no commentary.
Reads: h=8 m=8
